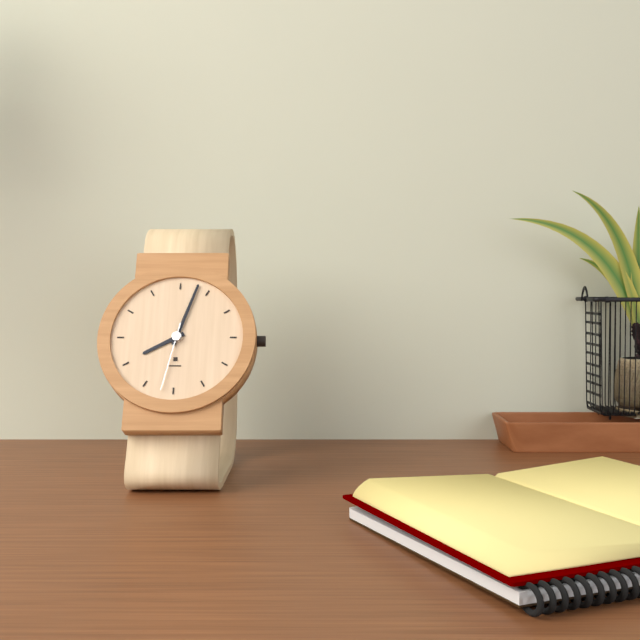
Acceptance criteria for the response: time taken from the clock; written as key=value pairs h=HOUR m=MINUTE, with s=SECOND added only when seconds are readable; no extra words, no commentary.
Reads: h=8 m=3 s=32
